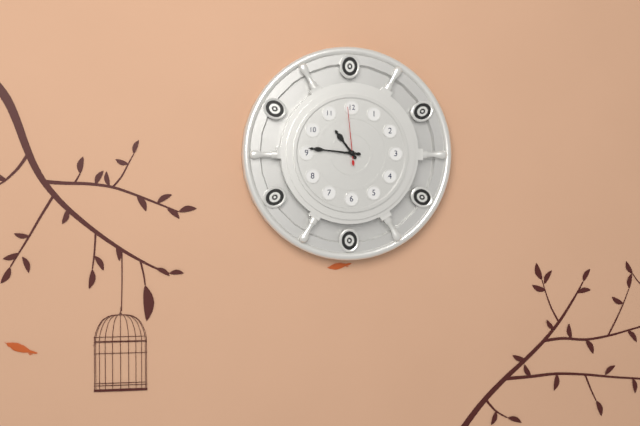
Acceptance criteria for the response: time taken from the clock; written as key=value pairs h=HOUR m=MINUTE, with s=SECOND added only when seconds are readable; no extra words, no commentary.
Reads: h=10 m=46 s=59
